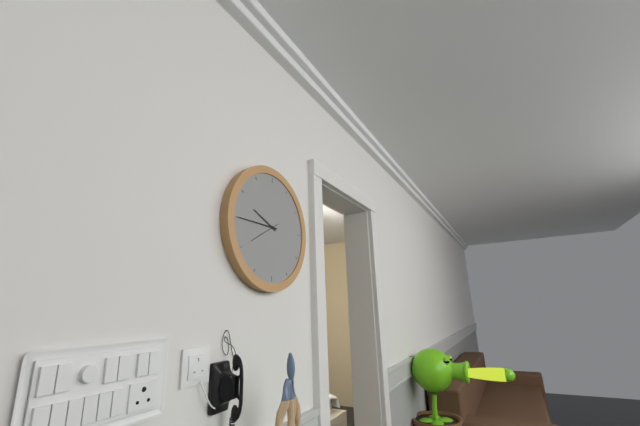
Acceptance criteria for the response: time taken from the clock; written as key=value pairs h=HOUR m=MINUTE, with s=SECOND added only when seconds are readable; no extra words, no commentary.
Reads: h=9 m=45
